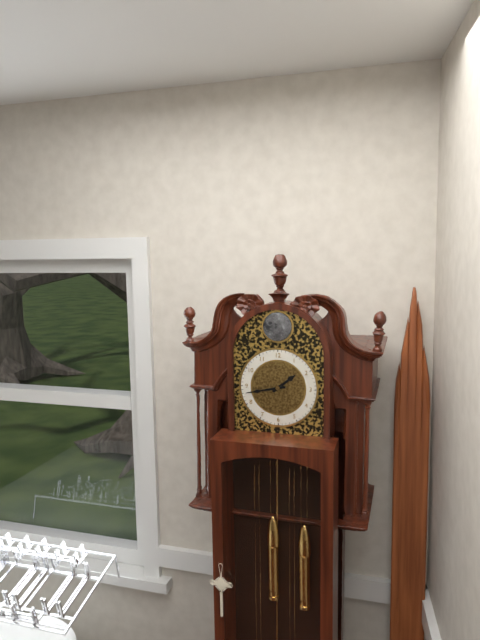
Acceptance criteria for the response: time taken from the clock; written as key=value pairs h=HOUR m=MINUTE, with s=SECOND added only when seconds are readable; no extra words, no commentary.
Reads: h=1 m=43
